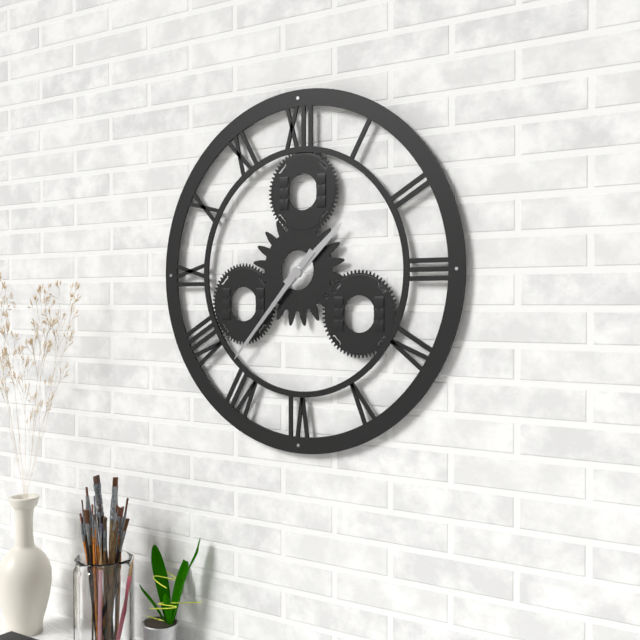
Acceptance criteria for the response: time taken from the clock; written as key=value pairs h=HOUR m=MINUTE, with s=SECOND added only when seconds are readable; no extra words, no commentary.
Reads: h=1 m=37
